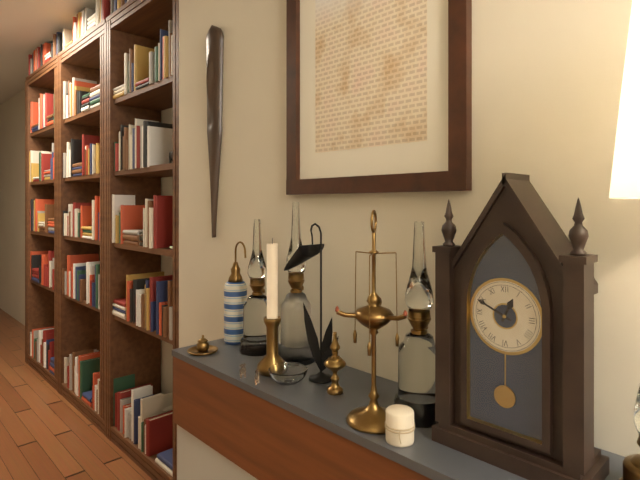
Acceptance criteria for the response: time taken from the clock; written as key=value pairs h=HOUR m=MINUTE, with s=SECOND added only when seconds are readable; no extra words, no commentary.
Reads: h=12 m=49
